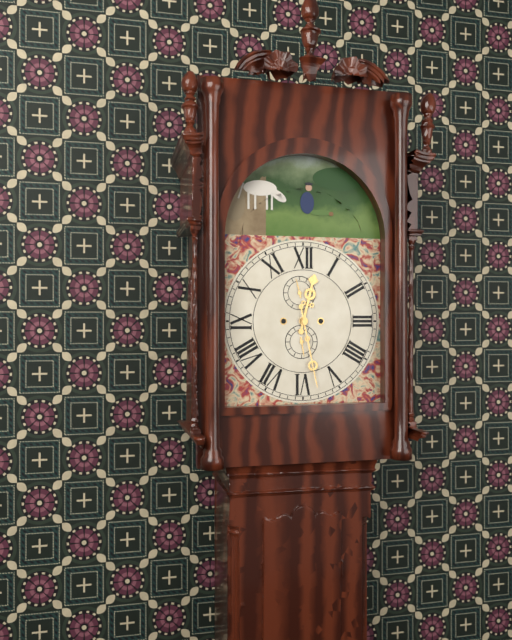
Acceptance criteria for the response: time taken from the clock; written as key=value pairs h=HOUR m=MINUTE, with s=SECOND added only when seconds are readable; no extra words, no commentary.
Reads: h=12 m=28
